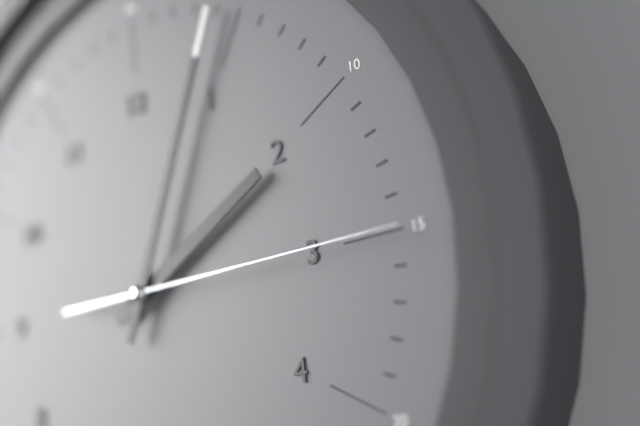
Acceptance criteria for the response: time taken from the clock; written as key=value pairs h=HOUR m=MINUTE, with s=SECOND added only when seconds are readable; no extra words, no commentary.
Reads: h=2 m=4 s=15
